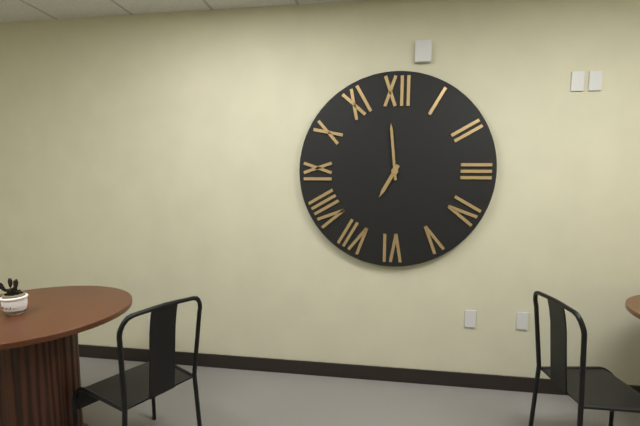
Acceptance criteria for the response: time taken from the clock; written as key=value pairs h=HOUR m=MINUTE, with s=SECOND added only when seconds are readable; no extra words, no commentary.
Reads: h=6 m=59
